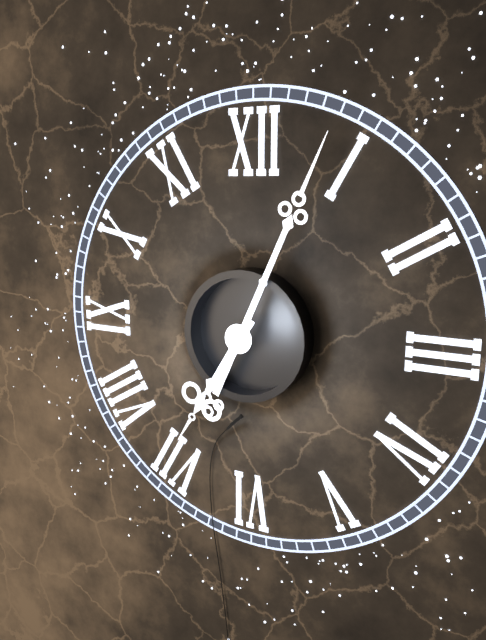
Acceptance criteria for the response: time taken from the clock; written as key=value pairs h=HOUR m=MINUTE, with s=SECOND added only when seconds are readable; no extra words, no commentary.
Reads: h=7 m=4
